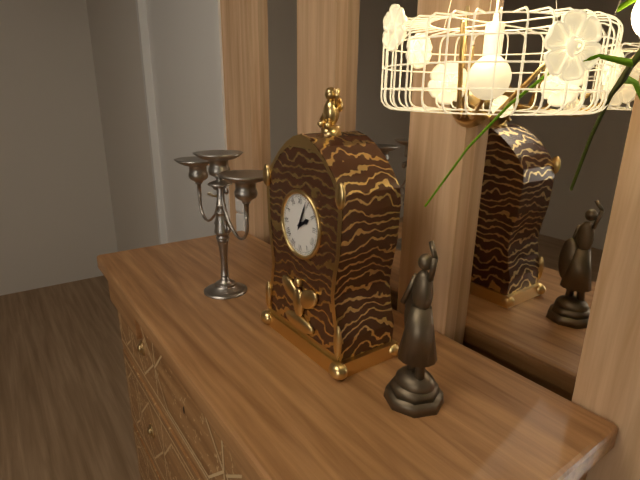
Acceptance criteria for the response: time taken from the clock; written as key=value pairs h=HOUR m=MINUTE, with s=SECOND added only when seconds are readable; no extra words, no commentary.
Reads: h=2 m=4
